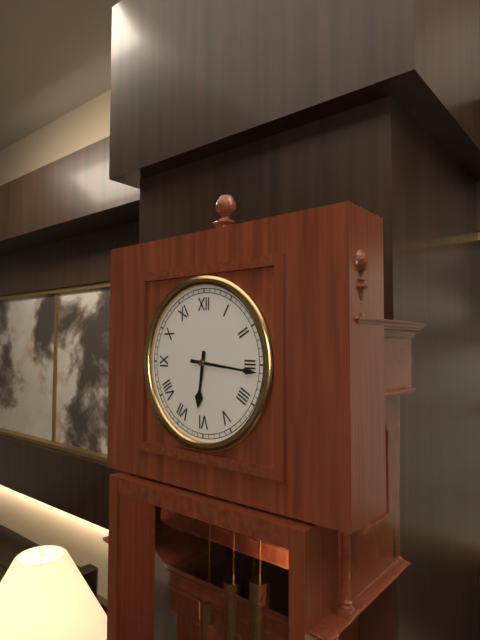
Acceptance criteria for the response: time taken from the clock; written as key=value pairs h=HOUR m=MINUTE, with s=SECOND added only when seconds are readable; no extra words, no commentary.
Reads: h=6 m=16
